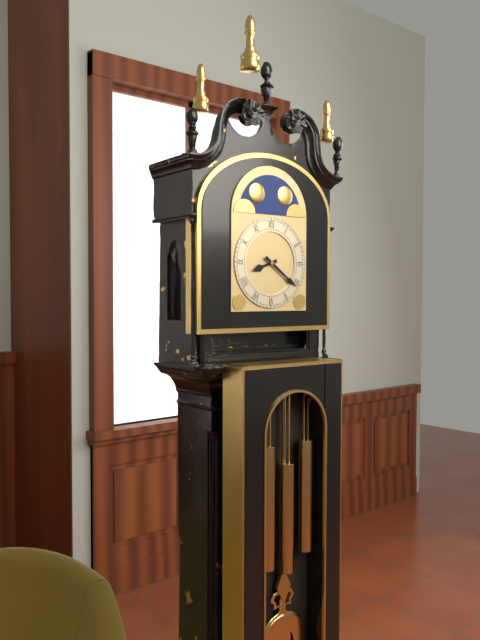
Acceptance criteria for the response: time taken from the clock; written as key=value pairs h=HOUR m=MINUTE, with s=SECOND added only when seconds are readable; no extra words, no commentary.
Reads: h=8 m=21
